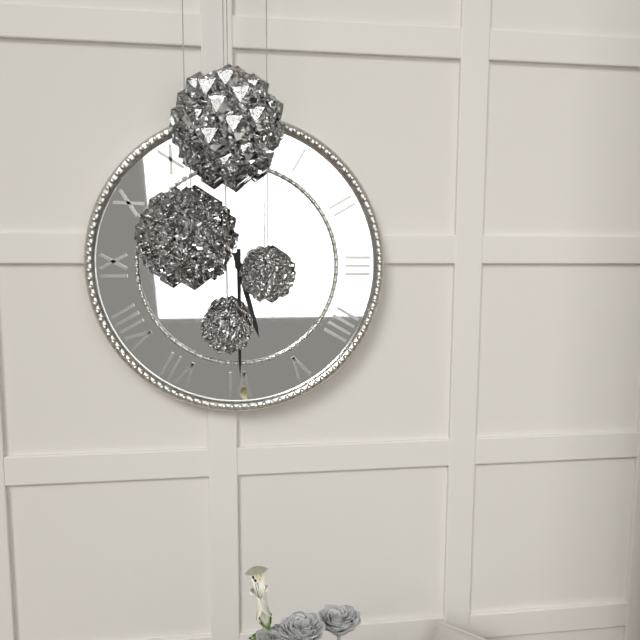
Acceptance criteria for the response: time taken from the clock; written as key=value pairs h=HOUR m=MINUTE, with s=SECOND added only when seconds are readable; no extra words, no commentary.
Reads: h=5 m=30
